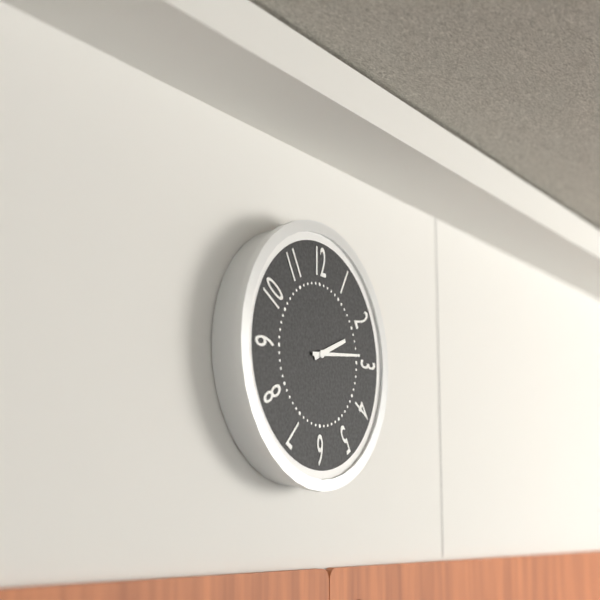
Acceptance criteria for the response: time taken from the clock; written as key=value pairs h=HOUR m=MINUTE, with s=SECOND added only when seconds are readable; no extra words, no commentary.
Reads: h=2 m=14
